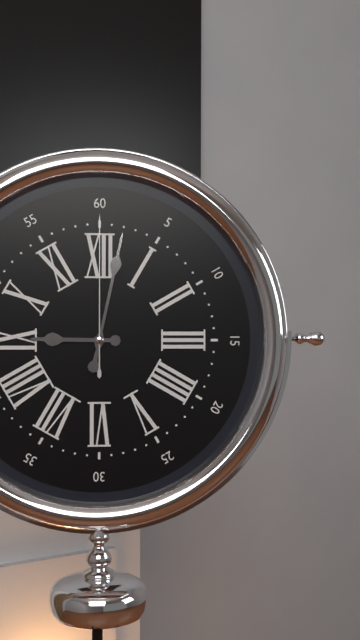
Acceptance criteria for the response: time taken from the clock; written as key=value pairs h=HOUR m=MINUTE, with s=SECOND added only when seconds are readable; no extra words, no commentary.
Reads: h=9 m=2 s=0
